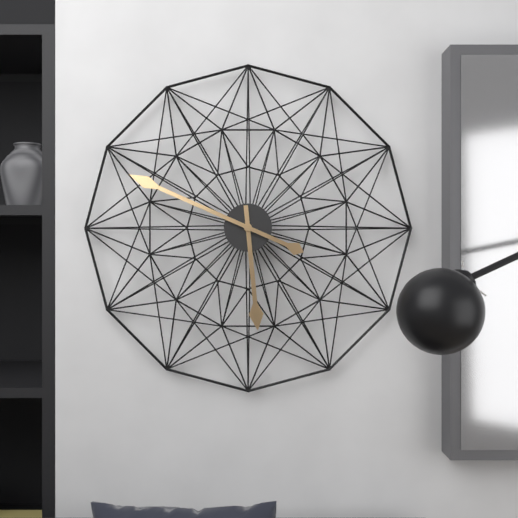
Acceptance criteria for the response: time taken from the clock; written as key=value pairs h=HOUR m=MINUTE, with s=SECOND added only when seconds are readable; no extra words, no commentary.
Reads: h=5 m=49
